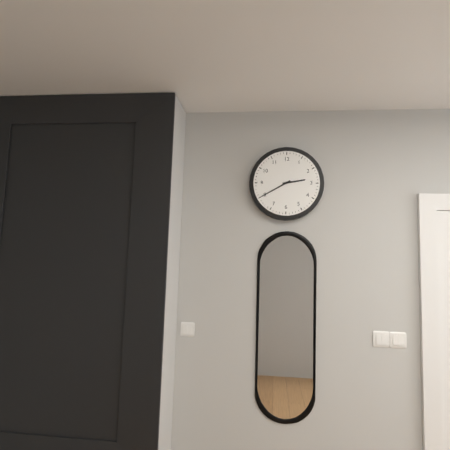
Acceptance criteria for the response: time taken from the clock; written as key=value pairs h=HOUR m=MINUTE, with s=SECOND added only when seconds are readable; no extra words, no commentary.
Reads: h=2 m=40
